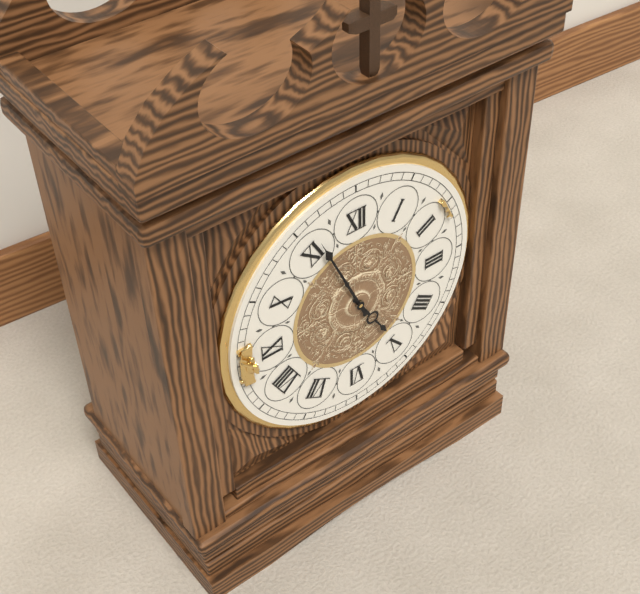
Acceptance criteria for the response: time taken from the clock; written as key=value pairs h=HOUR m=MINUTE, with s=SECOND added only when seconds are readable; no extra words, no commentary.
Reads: h=4 m=56
